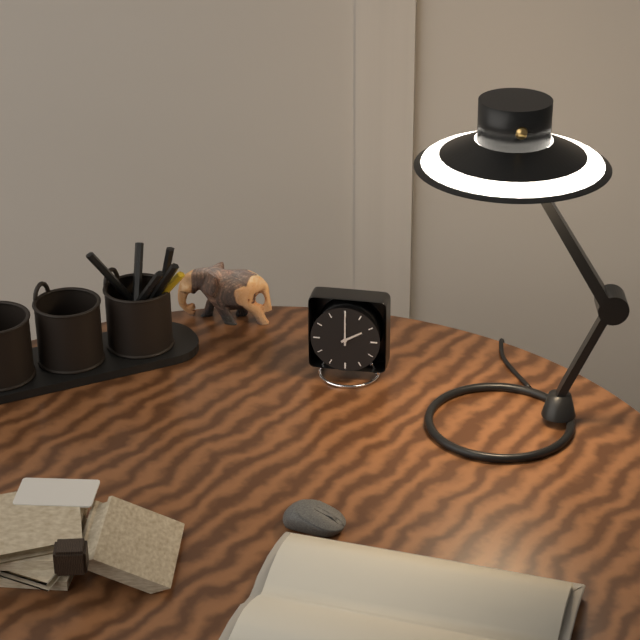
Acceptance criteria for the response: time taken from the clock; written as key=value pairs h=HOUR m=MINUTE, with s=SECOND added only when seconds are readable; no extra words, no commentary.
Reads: h=2 m=0
